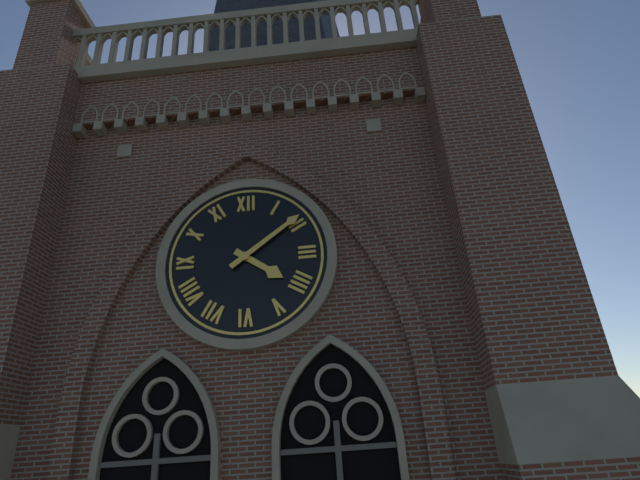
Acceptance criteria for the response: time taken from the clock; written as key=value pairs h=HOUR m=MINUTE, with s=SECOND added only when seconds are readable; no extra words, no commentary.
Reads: h=4 m=9
